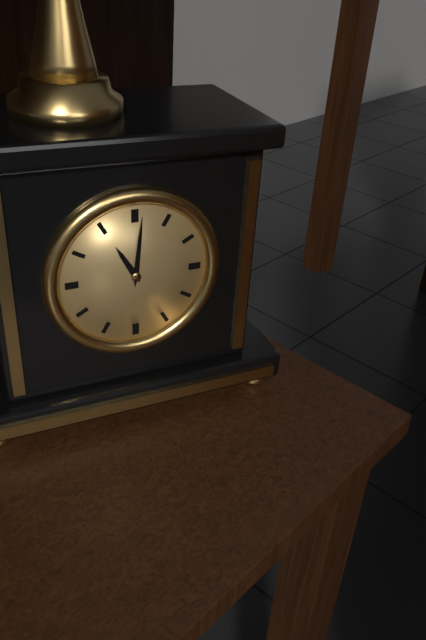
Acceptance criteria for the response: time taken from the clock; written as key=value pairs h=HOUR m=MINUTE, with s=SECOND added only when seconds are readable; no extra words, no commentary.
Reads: h=11 m=1
